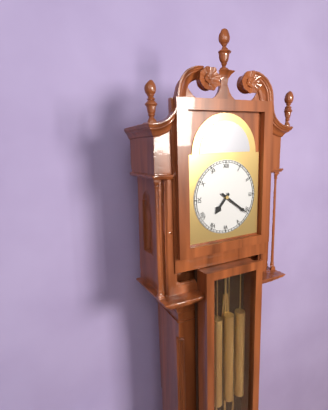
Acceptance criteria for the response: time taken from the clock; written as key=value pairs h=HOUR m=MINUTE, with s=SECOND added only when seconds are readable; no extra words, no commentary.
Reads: h=7 m=21
